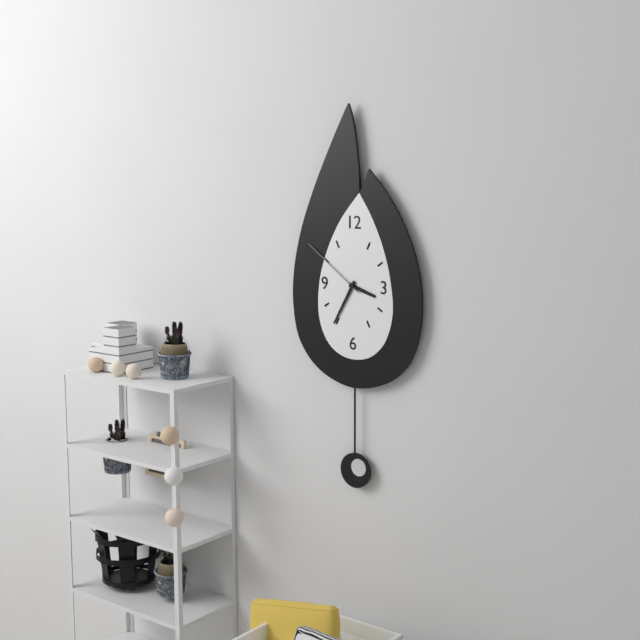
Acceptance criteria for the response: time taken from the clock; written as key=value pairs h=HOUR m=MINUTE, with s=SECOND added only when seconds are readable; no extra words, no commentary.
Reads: h=3 m=35 s=51
